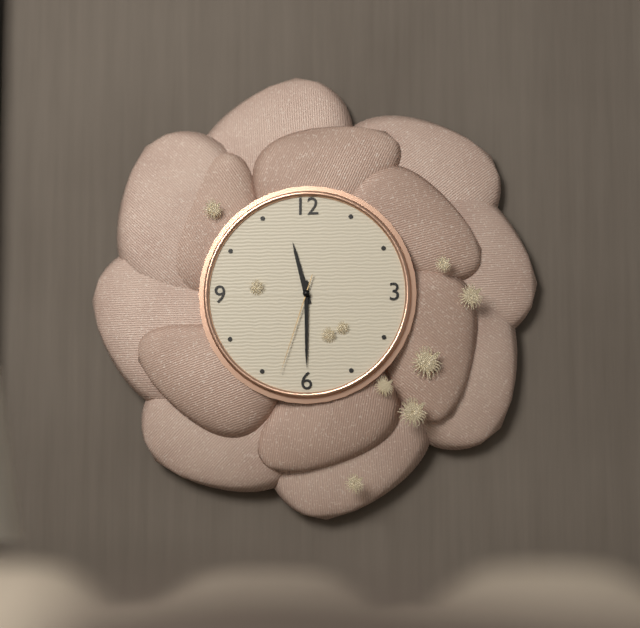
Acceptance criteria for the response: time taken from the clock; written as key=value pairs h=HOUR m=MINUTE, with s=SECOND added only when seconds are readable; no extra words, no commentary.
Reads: h=11 m=30 s=33
